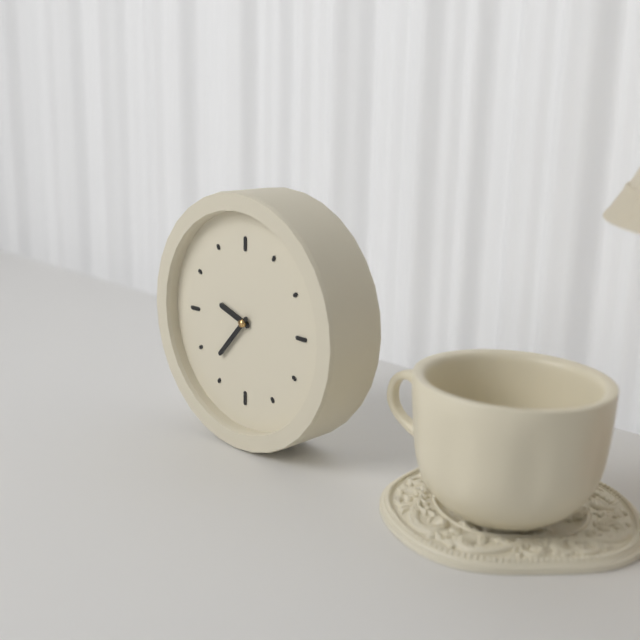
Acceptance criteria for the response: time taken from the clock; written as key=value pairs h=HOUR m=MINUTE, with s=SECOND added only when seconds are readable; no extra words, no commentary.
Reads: h=9 m=37
